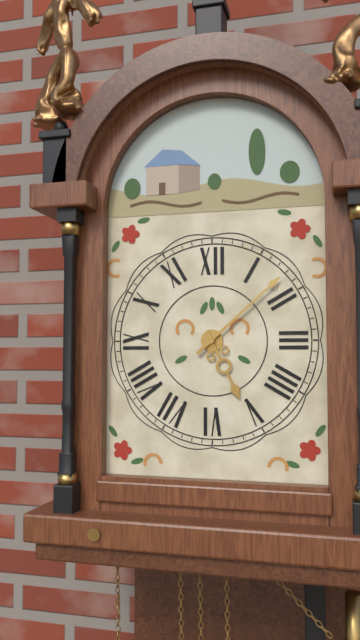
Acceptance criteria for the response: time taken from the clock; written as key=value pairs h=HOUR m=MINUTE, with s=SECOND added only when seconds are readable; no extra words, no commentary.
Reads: h=5 m=8
